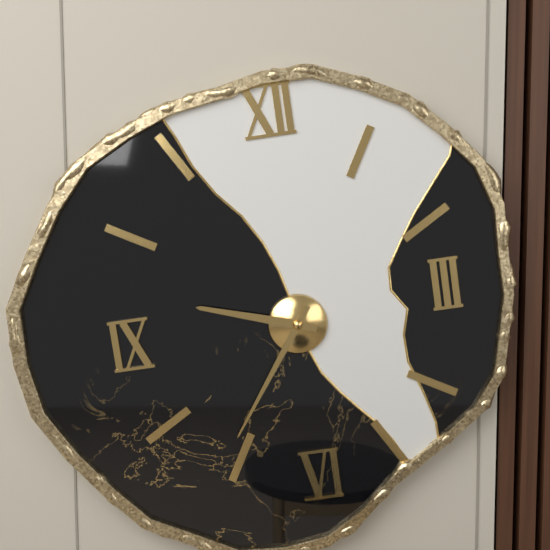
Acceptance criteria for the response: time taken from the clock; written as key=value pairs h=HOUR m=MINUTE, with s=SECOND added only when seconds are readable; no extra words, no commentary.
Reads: h=9 m=36
